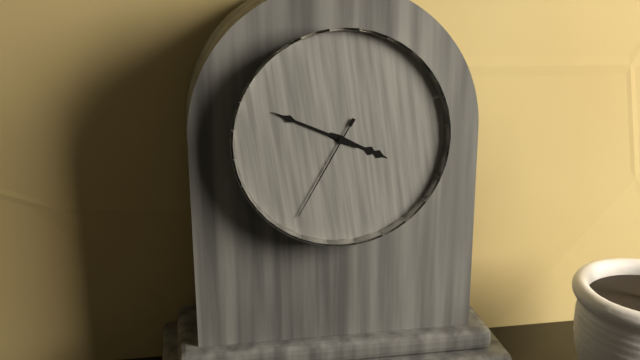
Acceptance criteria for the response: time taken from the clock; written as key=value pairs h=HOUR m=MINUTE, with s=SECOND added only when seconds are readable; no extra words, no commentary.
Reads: h=3 m=49 s=35
